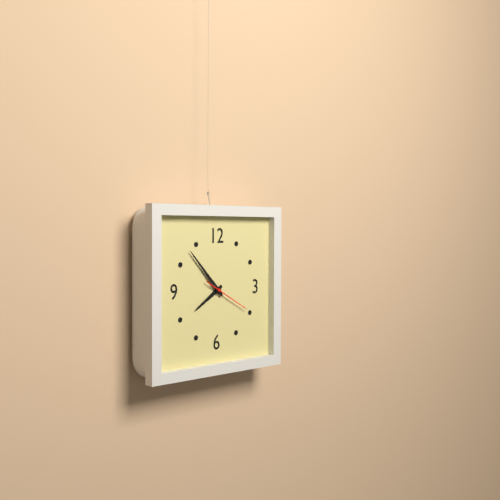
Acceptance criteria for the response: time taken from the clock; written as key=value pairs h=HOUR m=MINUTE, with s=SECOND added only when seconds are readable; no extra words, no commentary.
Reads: h=7 m=53
